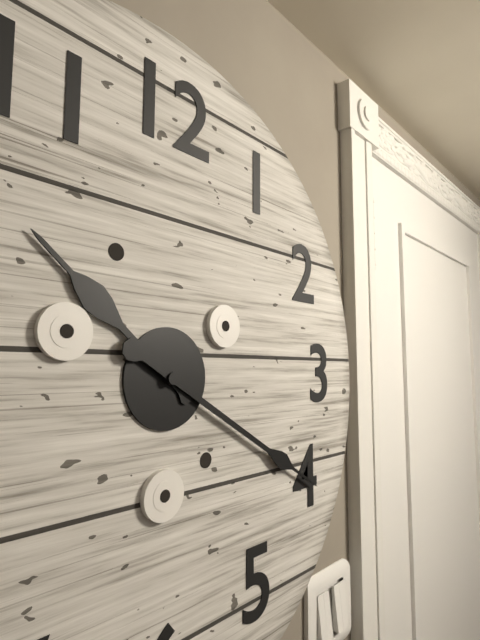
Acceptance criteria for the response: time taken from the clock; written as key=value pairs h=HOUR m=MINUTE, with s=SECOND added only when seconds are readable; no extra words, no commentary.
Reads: h=10 m=20
